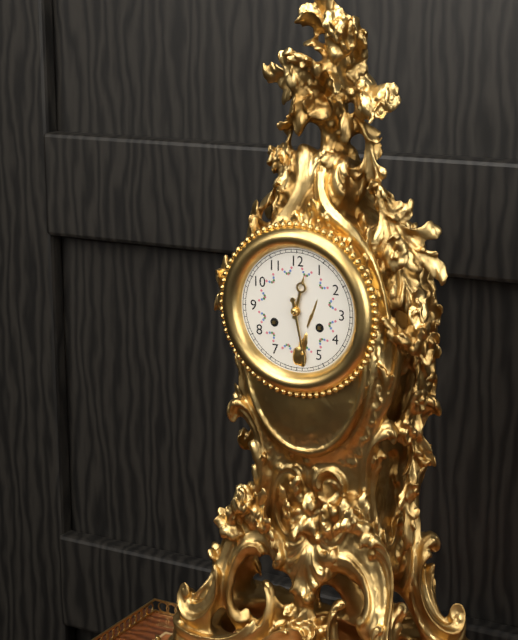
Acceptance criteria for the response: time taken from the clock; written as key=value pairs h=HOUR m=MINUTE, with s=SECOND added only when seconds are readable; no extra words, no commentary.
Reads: h=12 m=28
